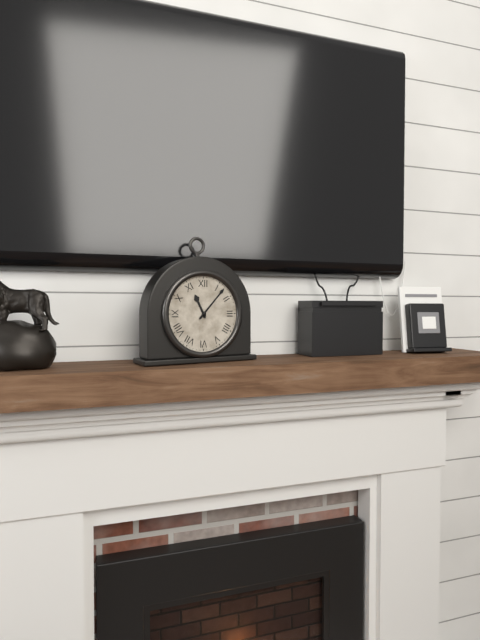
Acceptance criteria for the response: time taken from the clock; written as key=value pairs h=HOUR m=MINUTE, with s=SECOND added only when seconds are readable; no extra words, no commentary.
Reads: h=11 m=7
